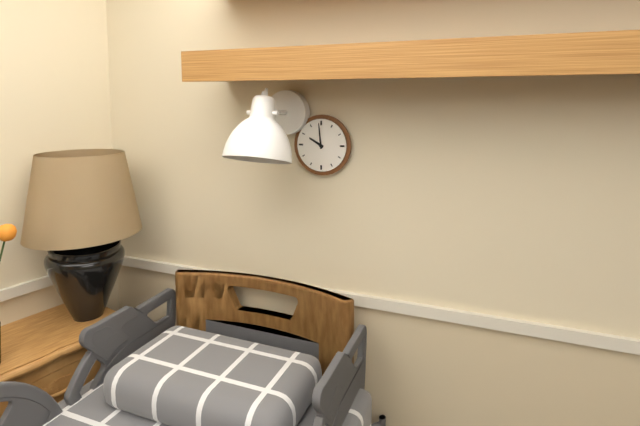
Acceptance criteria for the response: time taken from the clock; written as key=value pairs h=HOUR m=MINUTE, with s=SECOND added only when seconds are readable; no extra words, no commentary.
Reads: h=9 m=59
